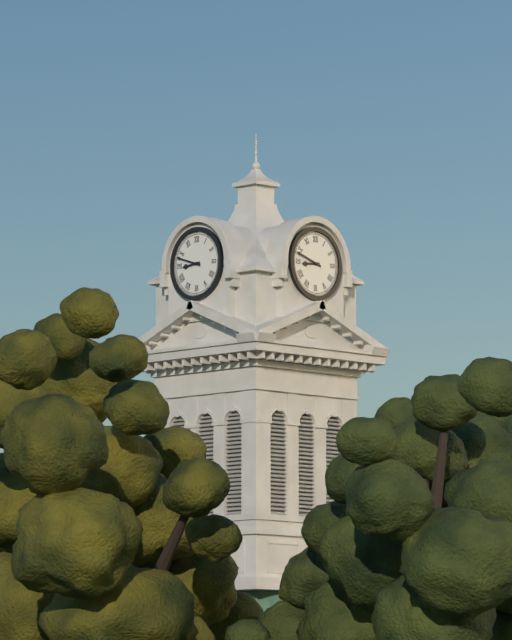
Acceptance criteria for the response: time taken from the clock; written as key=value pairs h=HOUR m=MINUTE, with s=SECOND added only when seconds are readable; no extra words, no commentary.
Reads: h=8 m=48
